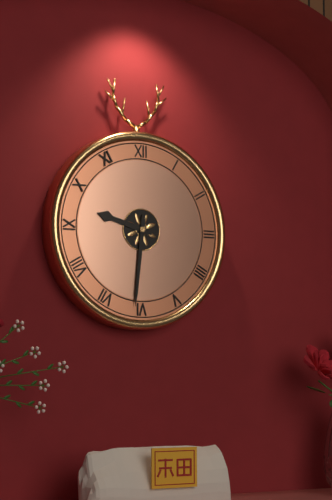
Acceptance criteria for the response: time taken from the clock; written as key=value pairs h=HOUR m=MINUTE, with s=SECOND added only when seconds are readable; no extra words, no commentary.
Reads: h=9 m=31
